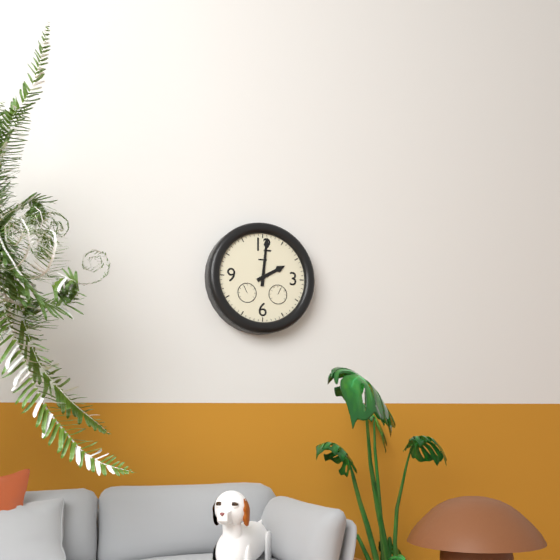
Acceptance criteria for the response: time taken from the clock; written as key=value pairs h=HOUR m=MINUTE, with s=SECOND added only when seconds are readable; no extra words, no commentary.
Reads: h=2 m=1
